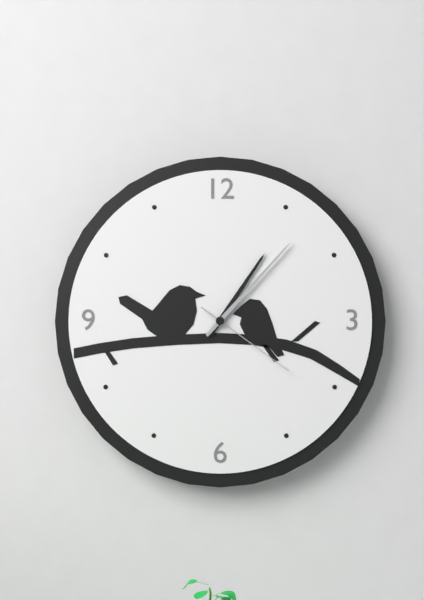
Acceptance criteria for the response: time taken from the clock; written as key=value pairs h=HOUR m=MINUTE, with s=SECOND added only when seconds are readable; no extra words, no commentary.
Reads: h=1 m=7 s=21
